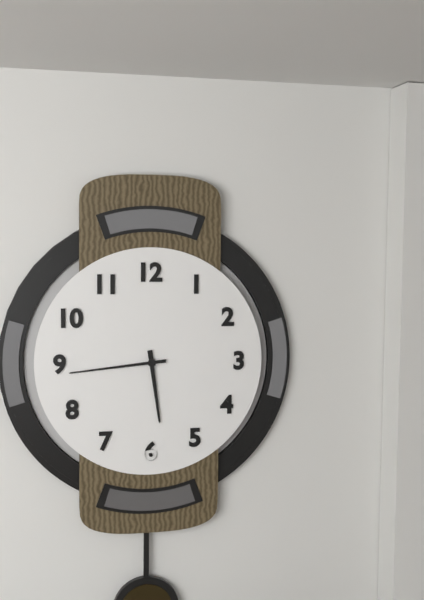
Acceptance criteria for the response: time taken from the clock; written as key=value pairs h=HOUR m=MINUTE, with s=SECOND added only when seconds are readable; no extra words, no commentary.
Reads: h=5 m=44
